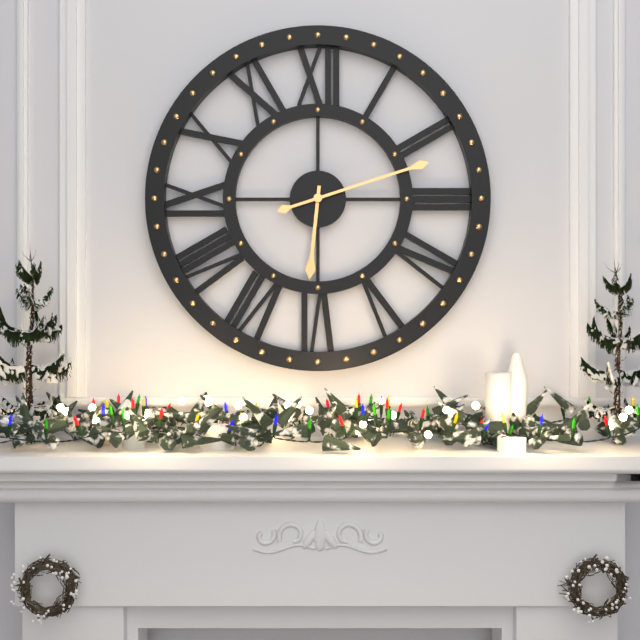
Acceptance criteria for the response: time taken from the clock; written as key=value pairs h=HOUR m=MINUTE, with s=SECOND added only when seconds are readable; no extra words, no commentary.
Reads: h=6 m=12
